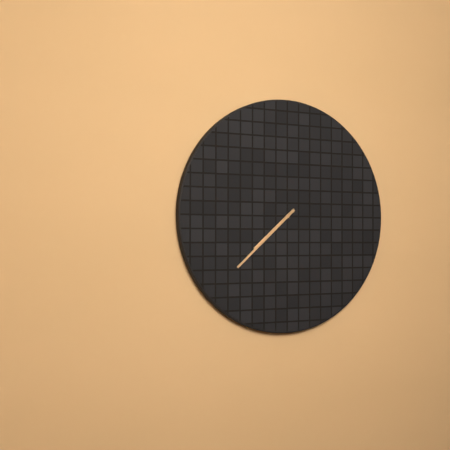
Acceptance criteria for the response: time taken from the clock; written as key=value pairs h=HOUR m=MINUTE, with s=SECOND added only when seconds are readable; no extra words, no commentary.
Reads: h=7 m=38
